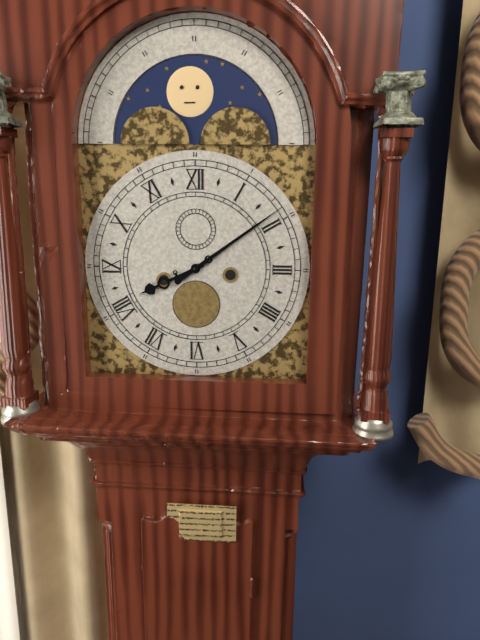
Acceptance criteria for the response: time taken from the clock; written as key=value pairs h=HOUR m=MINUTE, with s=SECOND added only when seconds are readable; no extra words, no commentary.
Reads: h=8 m=9
